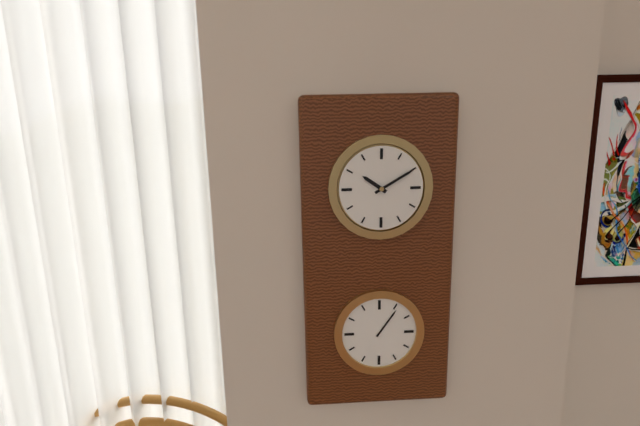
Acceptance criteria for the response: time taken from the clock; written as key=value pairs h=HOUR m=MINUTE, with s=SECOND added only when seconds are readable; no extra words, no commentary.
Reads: h=10 m=10
